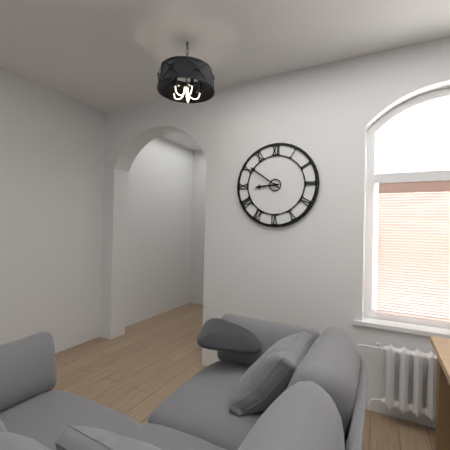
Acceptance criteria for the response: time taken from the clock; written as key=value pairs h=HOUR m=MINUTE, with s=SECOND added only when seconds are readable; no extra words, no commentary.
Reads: h=8 m=51
